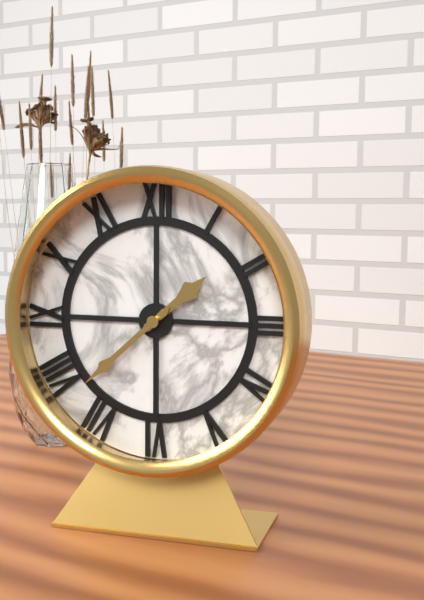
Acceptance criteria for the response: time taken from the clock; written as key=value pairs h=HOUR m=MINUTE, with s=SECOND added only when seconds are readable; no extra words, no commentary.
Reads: h=1 m=38
